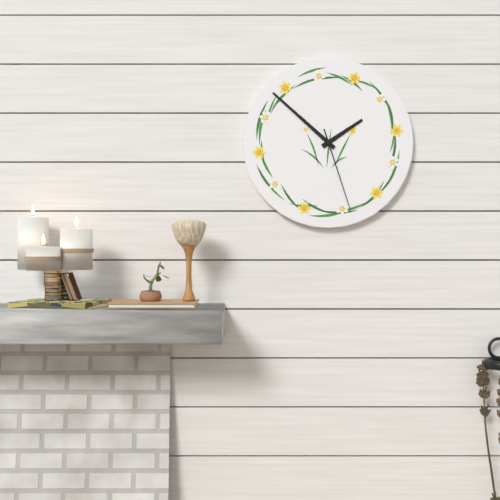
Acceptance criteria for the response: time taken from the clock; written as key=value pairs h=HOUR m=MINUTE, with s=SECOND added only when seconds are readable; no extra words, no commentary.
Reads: h=1 m=52 s=27
